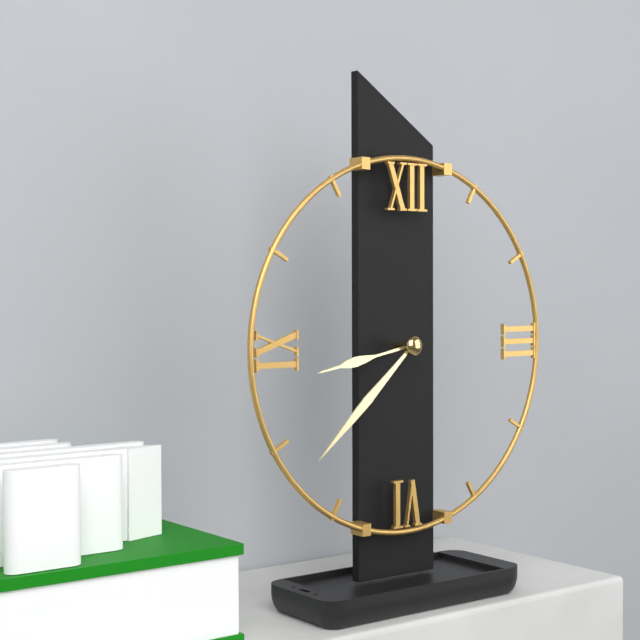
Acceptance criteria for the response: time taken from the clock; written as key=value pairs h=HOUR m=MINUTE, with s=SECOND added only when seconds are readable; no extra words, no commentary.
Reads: h=8 m=38
